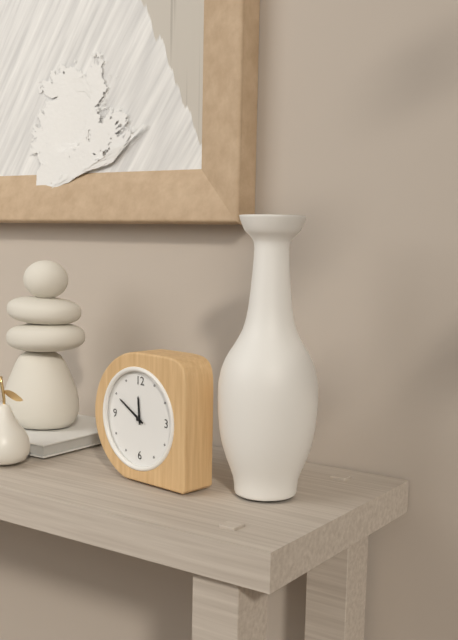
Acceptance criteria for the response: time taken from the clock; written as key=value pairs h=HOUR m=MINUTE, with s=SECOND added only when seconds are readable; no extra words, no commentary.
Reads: h=11 m=50
